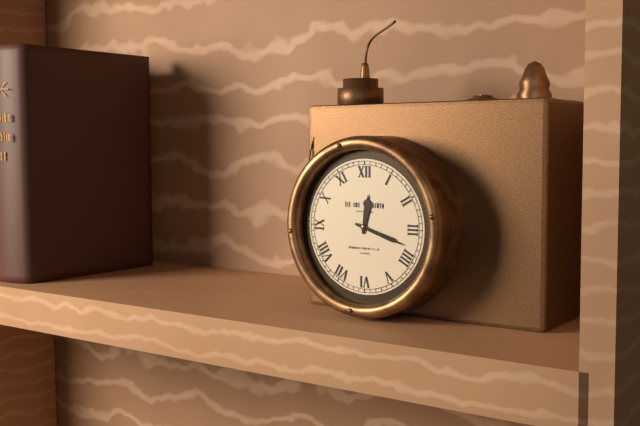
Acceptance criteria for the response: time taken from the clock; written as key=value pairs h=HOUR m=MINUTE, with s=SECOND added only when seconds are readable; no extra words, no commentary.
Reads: h=12 m=18
